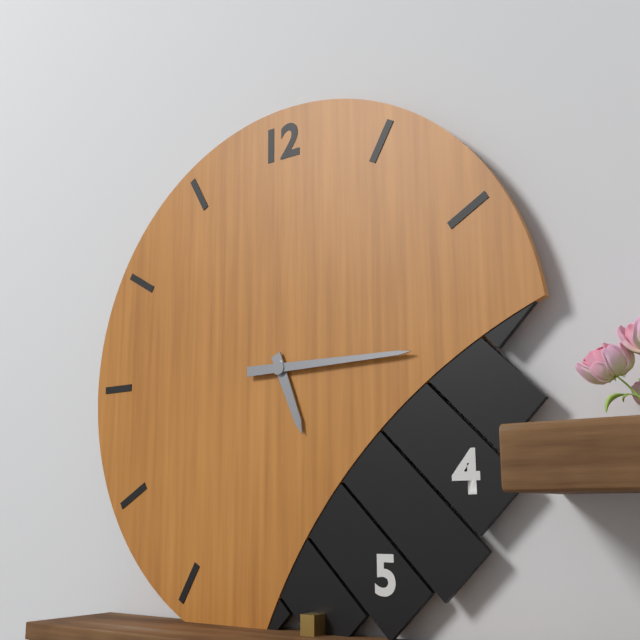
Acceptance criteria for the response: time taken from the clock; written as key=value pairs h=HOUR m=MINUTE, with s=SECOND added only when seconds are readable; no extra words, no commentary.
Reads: h=5 m=15
